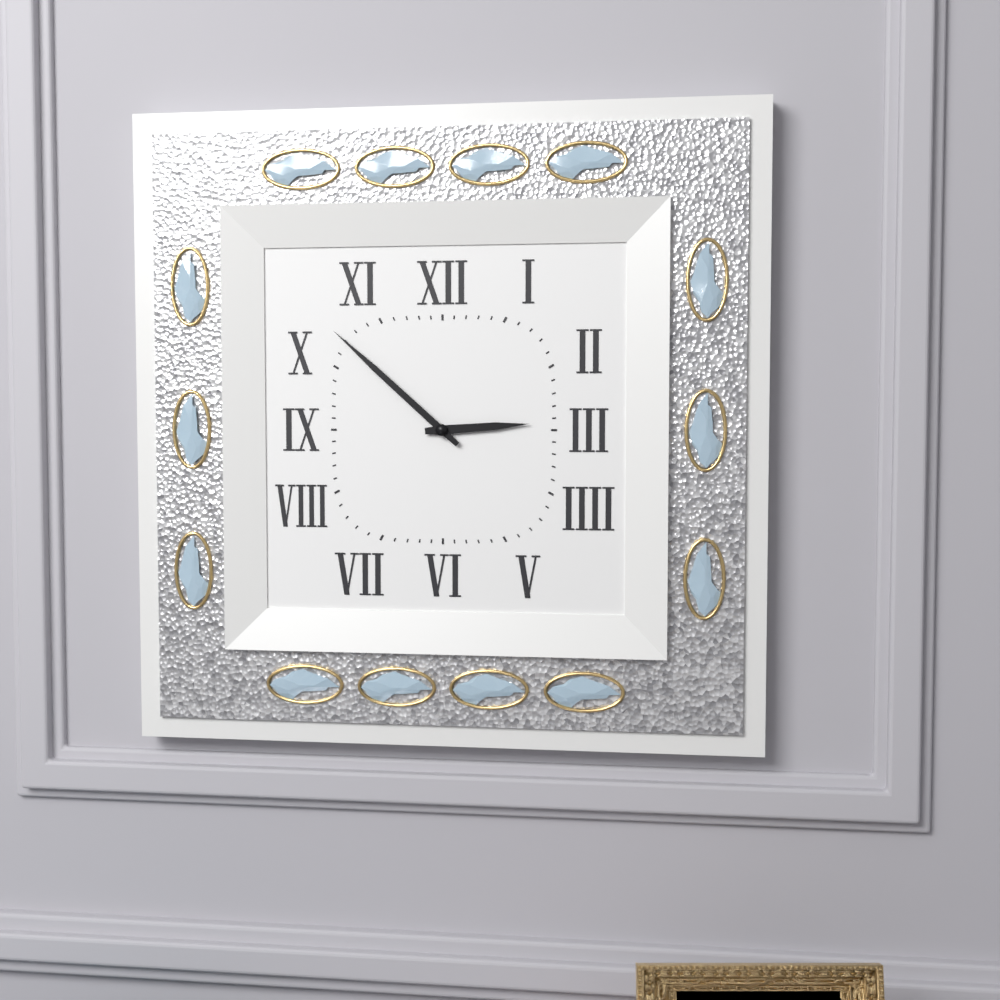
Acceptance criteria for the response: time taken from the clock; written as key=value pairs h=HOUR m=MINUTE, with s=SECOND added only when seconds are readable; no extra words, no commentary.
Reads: h=2 m=52
